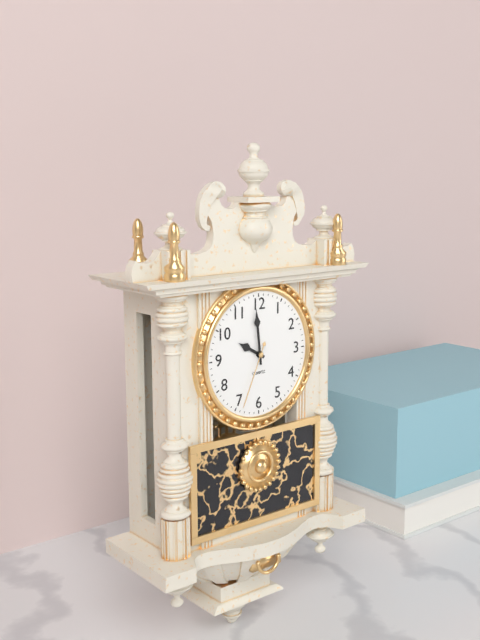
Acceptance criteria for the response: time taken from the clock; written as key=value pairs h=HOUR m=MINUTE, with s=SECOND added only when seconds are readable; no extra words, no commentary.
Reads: h=9 m=59 s=34
